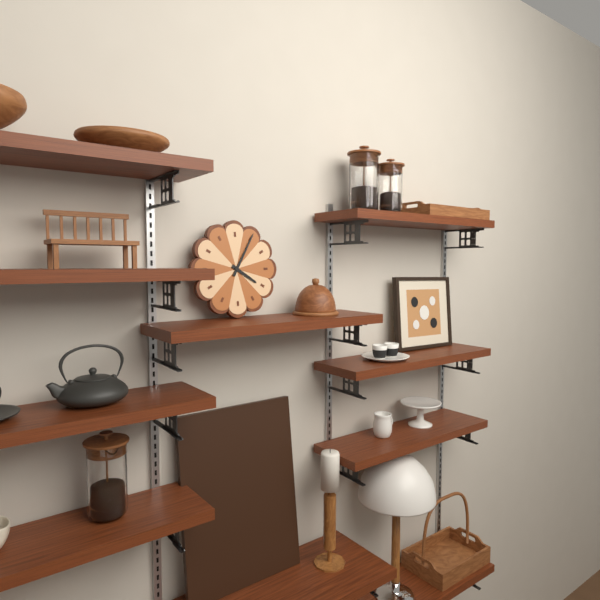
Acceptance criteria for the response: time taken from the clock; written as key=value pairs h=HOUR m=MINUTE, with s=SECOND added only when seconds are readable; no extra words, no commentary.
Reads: h=4 m=5
